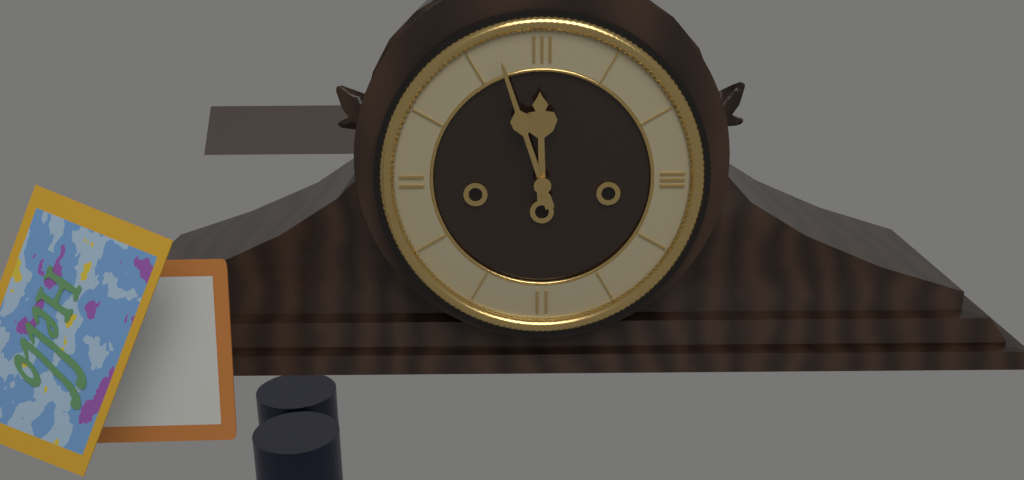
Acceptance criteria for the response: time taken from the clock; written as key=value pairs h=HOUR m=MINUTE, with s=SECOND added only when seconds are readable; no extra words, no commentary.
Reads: h=11 m=57
